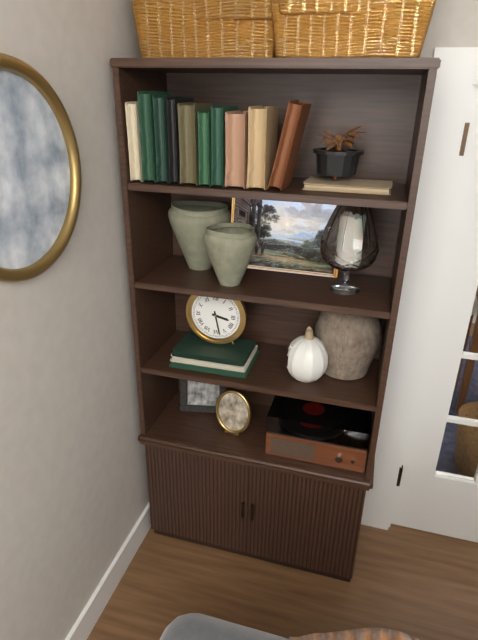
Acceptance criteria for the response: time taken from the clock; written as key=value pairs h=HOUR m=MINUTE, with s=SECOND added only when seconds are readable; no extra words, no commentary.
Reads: h=3 m=28
